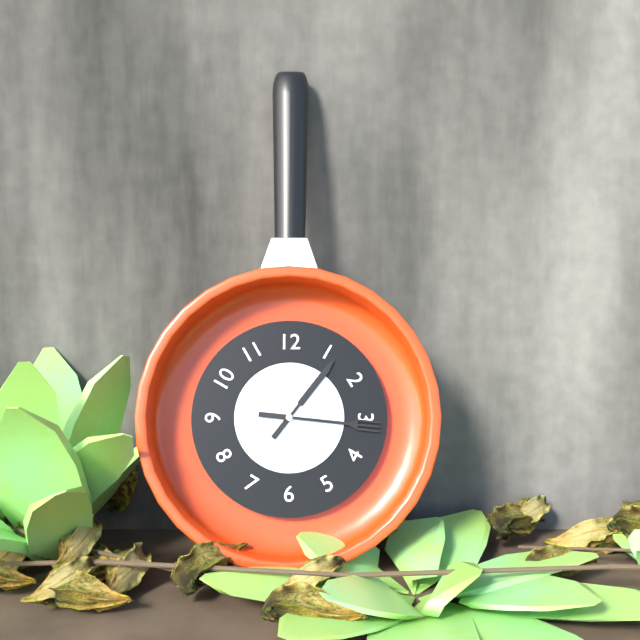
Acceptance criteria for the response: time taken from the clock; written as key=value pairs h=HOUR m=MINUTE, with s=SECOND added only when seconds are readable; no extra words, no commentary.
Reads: h=1 m=16
